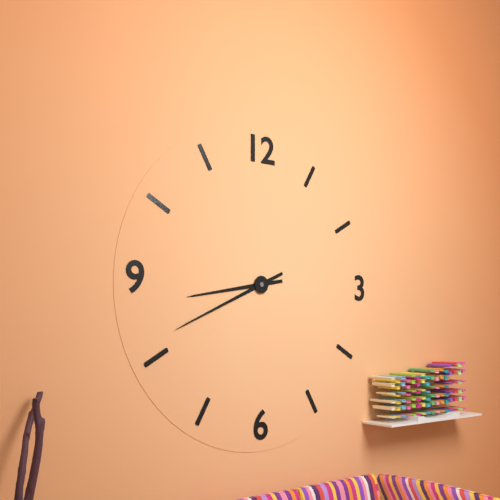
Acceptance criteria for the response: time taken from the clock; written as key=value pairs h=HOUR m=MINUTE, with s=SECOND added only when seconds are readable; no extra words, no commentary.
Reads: h=8 m=41
